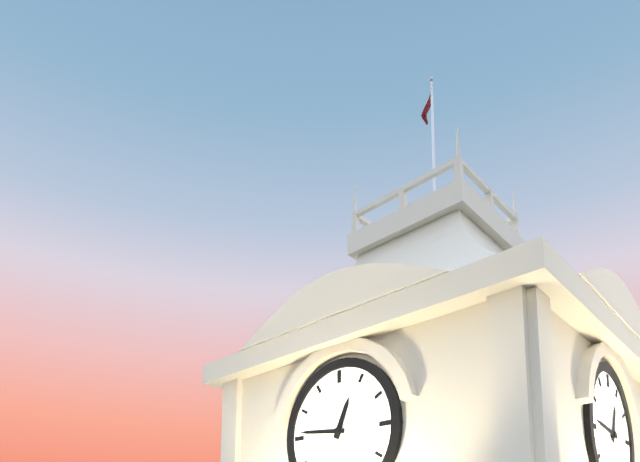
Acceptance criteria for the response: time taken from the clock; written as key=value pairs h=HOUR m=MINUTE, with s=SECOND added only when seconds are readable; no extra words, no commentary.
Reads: h=12 m=46
